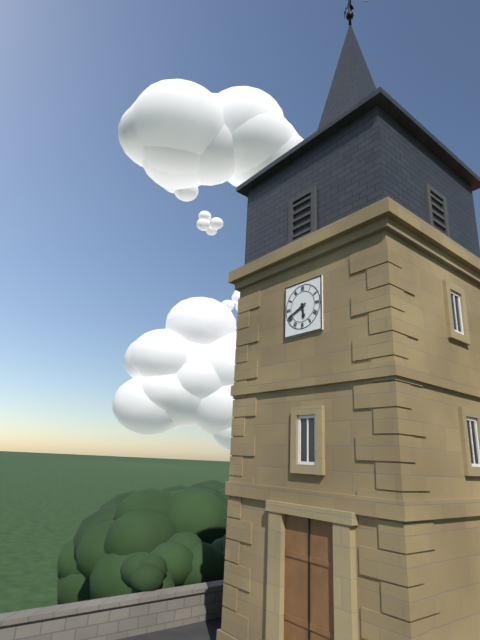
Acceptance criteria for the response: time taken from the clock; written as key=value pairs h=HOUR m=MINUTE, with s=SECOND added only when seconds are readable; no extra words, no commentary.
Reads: h=5 m=41
